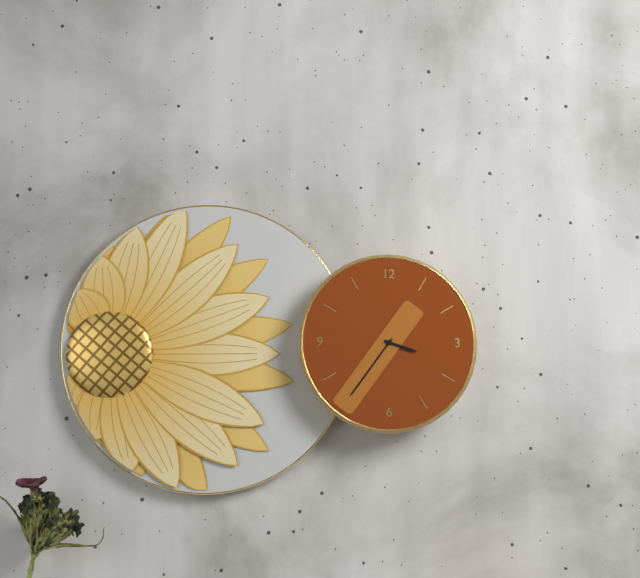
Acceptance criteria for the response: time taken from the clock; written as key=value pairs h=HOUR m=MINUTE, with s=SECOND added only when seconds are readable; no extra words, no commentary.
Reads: h=3 m=36
